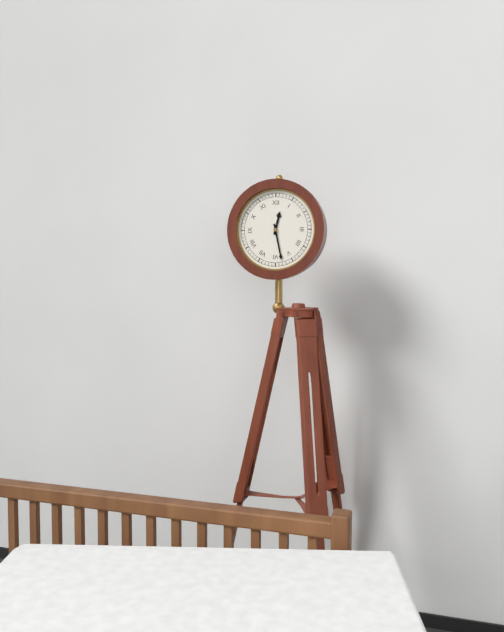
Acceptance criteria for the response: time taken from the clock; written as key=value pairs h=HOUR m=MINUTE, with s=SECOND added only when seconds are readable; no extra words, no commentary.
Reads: h=12 m=28
